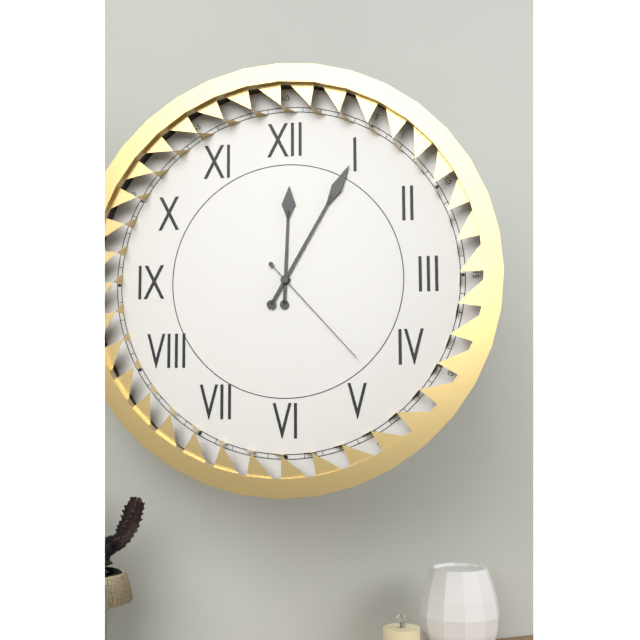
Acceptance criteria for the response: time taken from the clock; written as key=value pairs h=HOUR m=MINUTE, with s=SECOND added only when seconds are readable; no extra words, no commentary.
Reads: h=12 m=5 s=23
